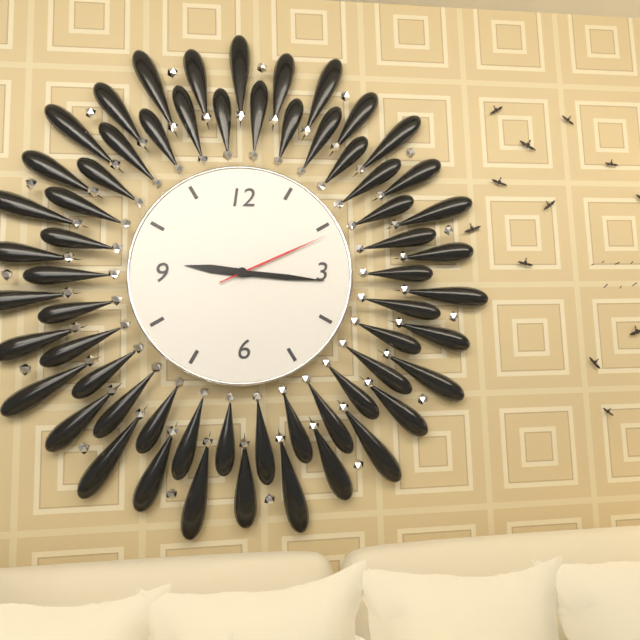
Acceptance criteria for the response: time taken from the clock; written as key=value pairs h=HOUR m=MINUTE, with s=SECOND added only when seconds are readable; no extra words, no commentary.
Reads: h=9 m=16 s=11
